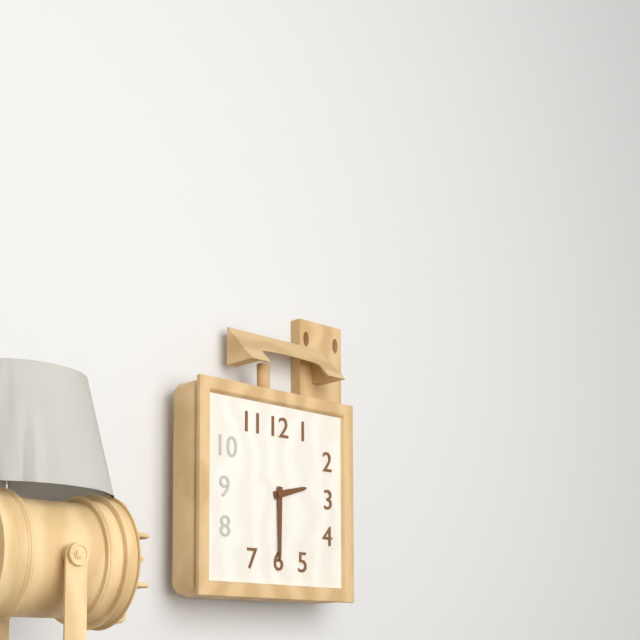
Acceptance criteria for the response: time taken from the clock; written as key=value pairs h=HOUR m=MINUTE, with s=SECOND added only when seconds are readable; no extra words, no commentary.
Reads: h=2 m=30
